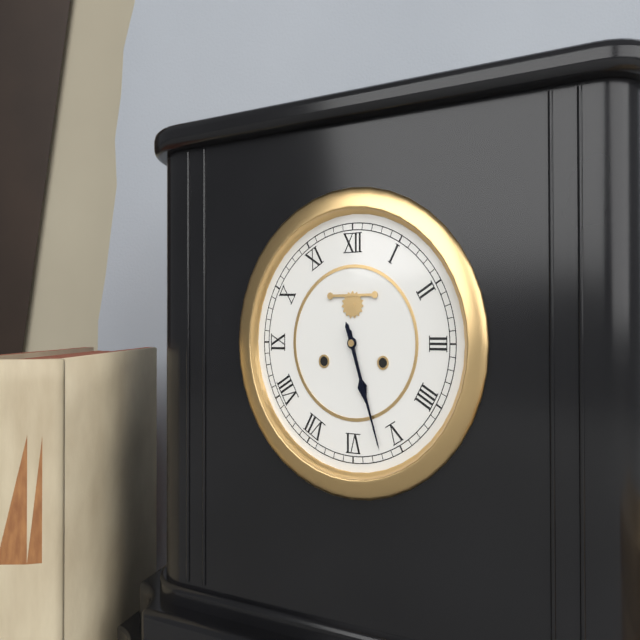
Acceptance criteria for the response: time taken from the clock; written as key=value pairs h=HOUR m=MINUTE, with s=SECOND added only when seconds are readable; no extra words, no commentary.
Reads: h=5 m=27
